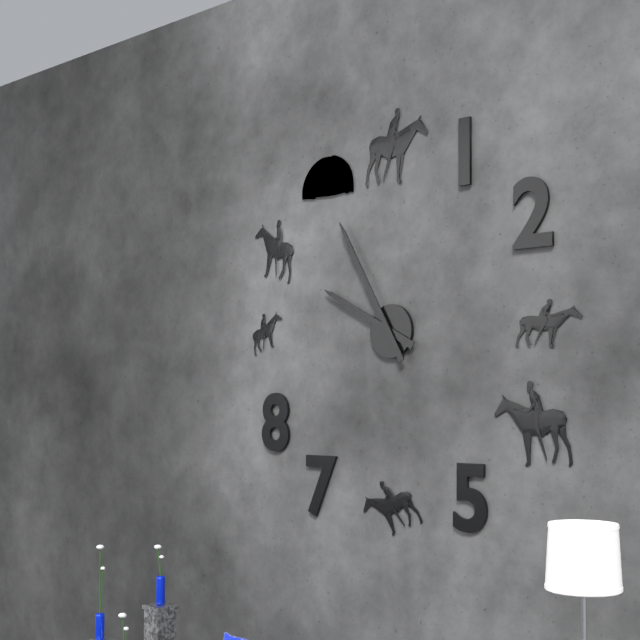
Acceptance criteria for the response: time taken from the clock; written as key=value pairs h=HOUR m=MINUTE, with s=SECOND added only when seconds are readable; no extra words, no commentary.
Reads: h=9 m=55
